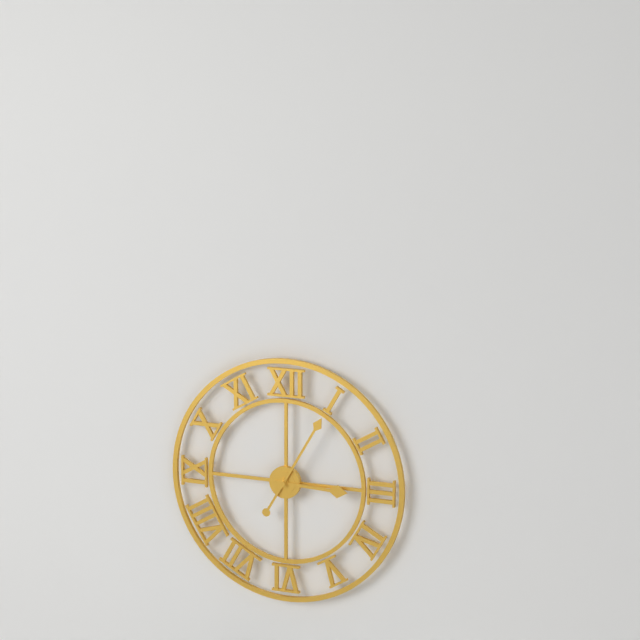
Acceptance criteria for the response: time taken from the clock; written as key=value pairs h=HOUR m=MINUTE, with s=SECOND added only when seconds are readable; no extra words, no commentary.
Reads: h=3 m=5
